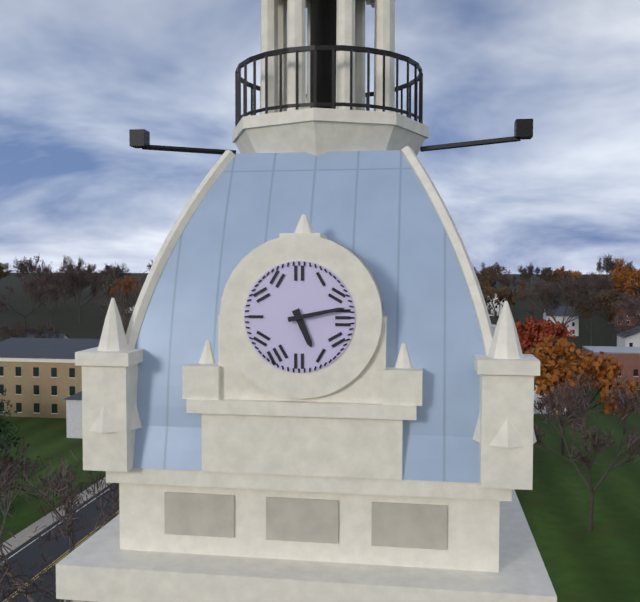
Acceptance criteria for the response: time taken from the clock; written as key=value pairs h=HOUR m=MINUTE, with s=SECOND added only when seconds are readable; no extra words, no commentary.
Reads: h=5 m=13
